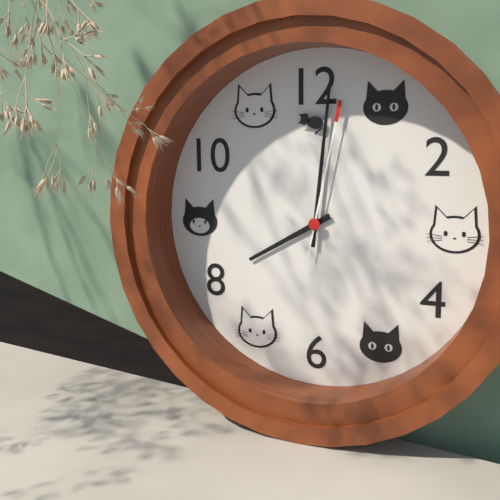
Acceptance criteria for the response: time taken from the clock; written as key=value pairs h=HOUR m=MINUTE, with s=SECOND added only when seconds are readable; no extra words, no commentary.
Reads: h=8 m=1 s=2
